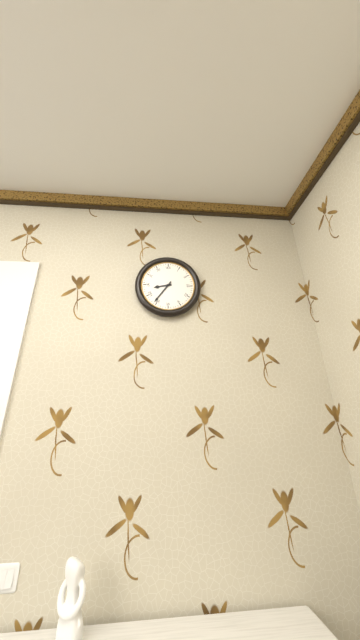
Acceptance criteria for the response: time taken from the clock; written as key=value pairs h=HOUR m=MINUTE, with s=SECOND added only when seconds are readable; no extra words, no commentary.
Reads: h=8 m=36
